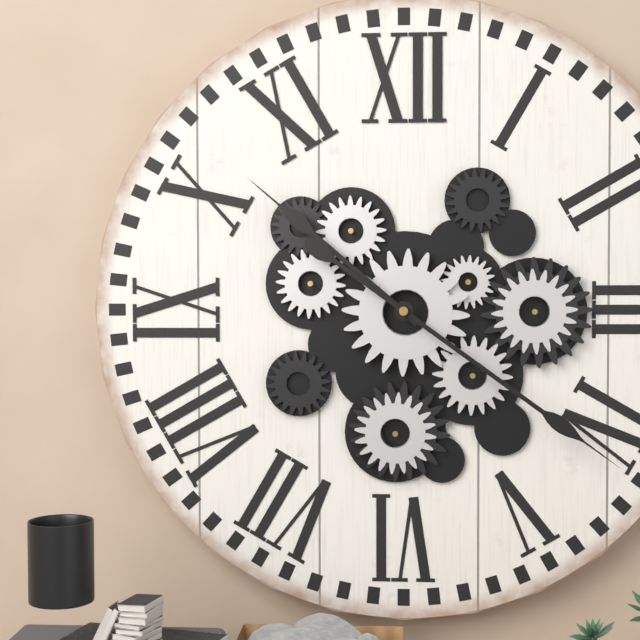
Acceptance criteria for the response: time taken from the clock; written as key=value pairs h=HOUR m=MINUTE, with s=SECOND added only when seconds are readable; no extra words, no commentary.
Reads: h=10 m=21
